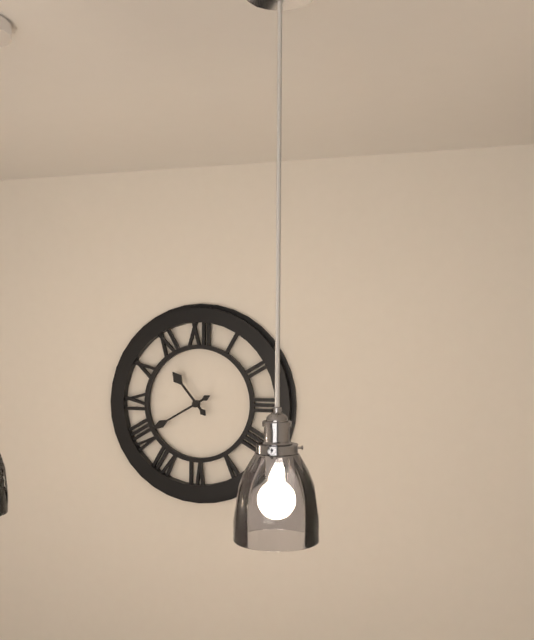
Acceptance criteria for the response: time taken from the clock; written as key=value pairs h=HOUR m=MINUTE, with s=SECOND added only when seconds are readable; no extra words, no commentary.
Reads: h=10 m=40
